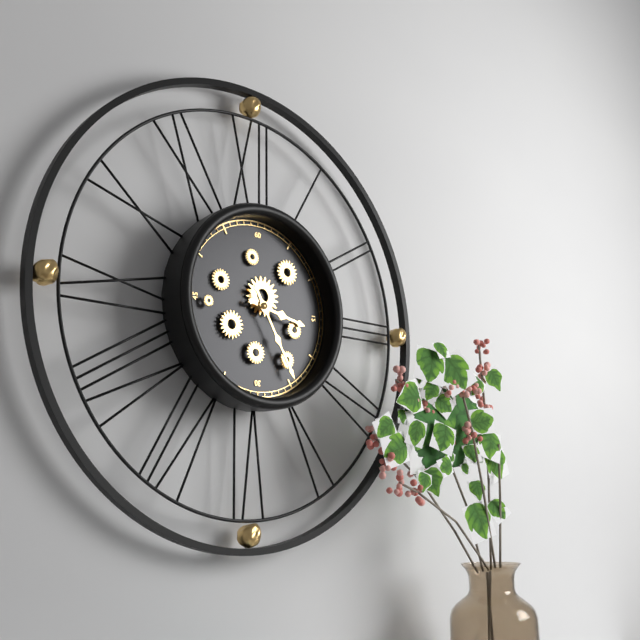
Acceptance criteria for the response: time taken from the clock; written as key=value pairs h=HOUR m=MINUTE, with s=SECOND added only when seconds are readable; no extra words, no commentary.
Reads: h=3 m=25
